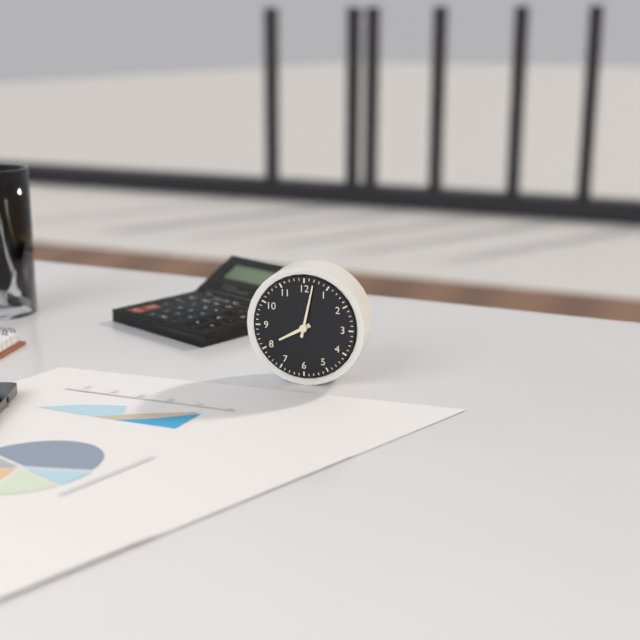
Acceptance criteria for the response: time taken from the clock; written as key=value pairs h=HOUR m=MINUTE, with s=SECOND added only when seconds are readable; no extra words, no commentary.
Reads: h=8 m=2
